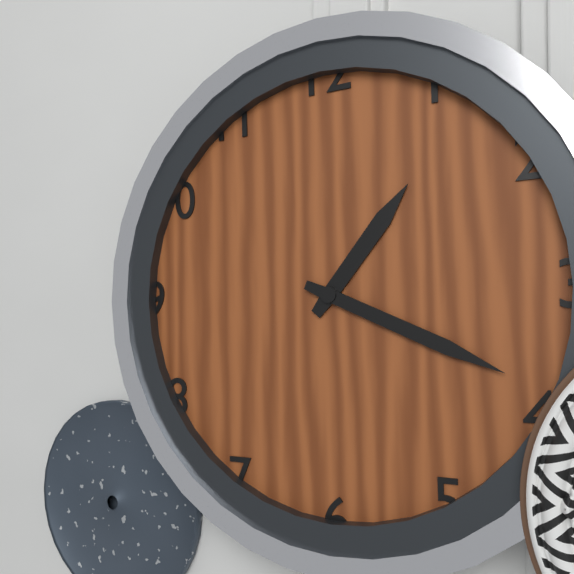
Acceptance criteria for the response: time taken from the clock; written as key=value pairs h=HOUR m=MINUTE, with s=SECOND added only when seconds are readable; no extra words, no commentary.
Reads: h=1 m=19
